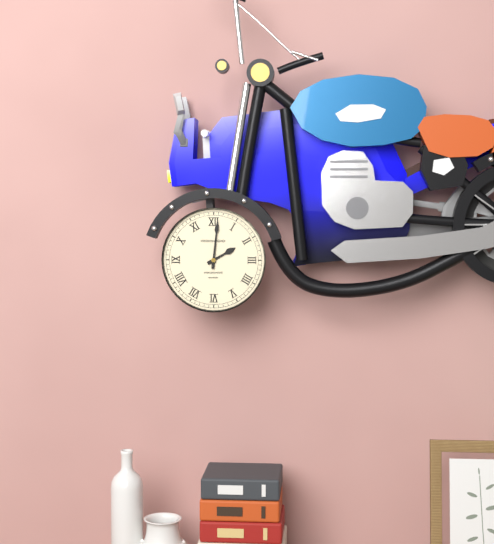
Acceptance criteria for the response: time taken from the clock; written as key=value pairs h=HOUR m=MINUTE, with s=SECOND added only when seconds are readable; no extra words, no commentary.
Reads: h=2 m=1
